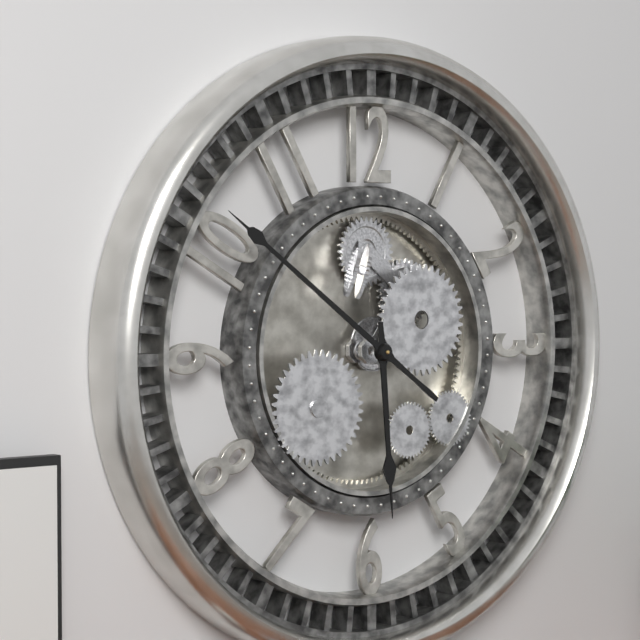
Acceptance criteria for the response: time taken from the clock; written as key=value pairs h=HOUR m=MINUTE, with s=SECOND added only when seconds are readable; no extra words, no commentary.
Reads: h=5 m=51
